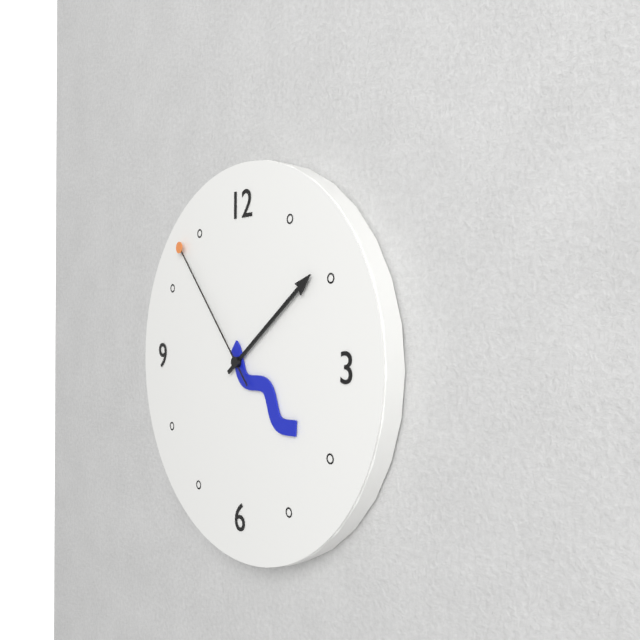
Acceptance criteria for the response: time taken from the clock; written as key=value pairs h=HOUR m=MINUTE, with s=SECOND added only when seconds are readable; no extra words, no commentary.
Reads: h=4 m=9 s=53
